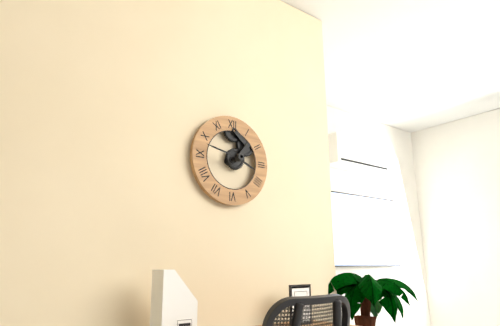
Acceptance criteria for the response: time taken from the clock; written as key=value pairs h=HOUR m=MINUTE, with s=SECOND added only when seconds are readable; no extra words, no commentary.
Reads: h=3 m=47
